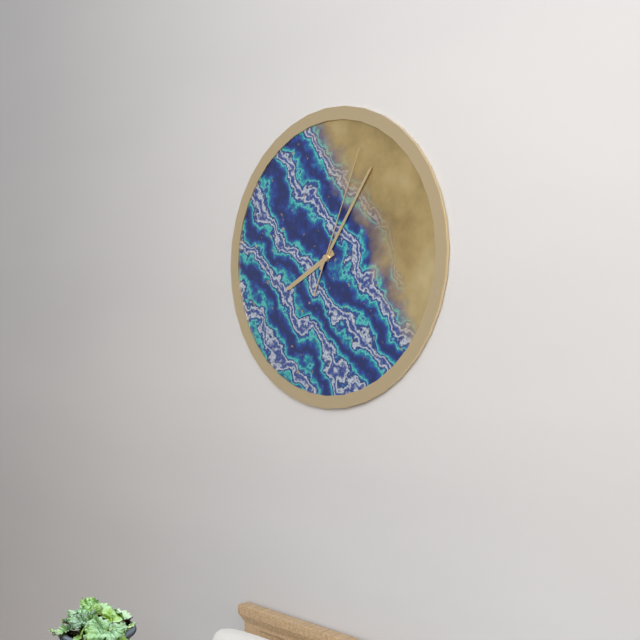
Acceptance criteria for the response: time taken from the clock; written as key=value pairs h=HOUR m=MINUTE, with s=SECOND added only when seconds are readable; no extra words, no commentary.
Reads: h=8 m=6 s=4
